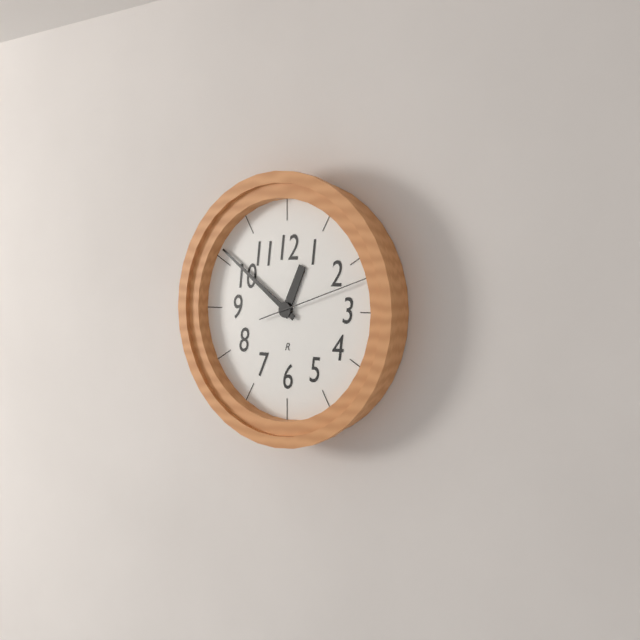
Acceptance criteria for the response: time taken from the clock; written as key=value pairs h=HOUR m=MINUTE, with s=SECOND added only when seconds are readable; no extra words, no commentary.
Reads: h=12 m=51 s=12
